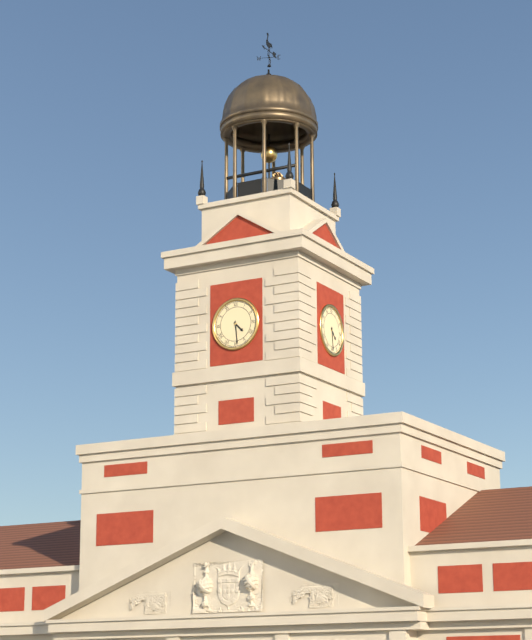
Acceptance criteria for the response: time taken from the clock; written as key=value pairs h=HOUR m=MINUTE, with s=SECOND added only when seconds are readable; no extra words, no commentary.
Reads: h=4 m=29
